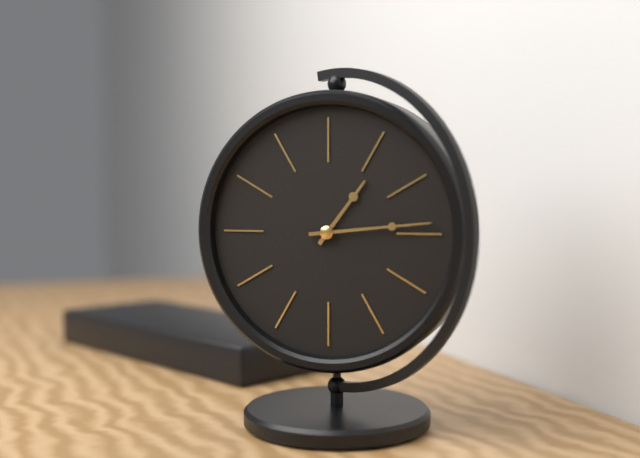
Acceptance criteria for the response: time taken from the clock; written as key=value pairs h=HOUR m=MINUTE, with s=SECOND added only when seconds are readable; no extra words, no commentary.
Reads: h=1 m=14
